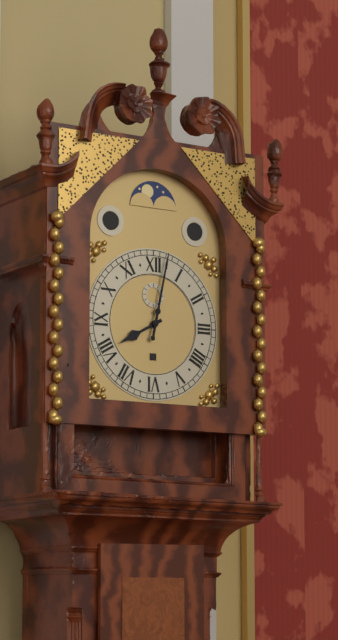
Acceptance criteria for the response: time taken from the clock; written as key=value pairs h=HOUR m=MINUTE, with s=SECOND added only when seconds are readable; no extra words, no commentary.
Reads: h=8 m=2
